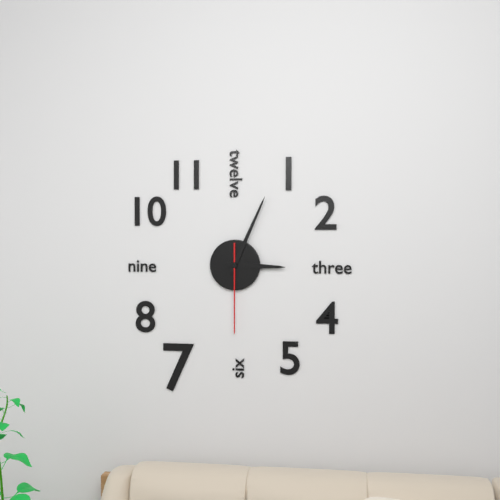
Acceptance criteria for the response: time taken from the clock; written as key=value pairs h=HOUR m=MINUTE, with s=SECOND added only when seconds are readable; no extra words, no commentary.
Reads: h=3 m=4 s=30
